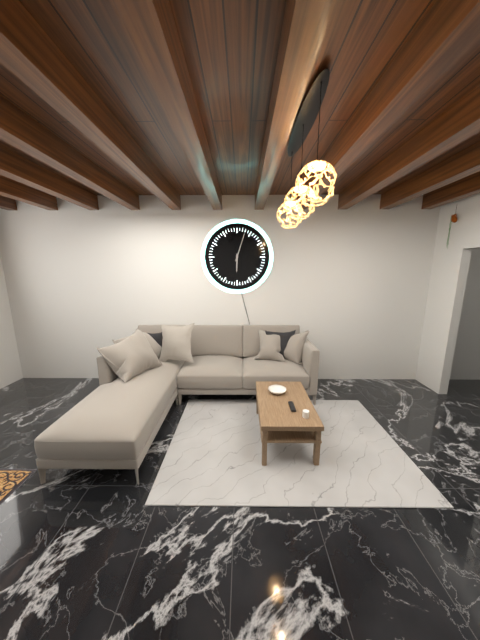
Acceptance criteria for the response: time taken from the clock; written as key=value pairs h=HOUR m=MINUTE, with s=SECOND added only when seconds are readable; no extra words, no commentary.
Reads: h=6 m=3
